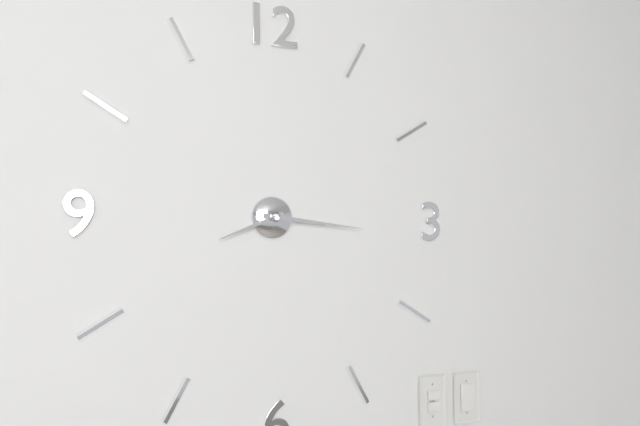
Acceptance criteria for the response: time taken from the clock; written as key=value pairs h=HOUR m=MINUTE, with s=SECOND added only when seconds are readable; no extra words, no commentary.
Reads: h=8 m=16
